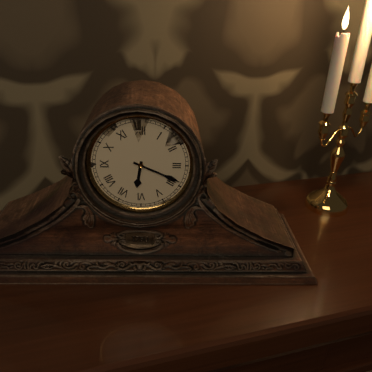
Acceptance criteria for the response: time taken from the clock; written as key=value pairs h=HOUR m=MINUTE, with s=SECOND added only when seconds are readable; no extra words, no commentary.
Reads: h=6 m=19
